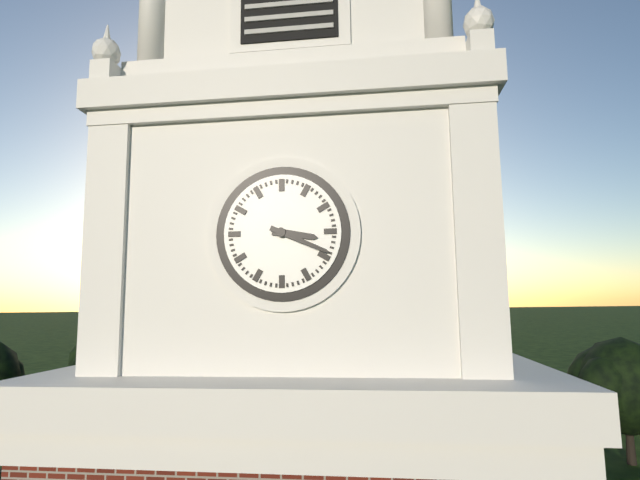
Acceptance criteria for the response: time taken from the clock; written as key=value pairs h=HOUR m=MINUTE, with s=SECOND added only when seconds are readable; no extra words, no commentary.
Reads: h=3 m=19
